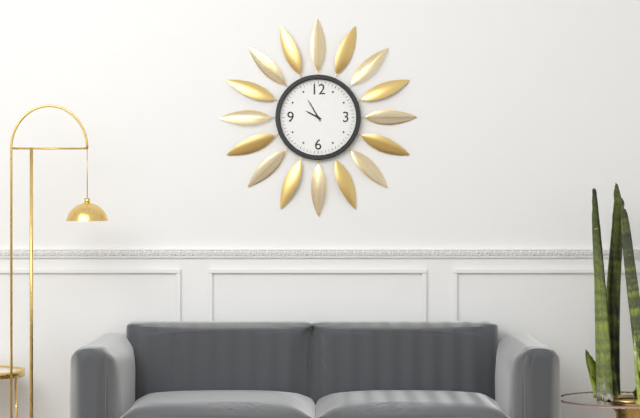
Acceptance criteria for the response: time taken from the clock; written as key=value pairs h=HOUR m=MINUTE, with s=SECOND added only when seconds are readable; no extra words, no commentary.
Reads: h=9 m=55
